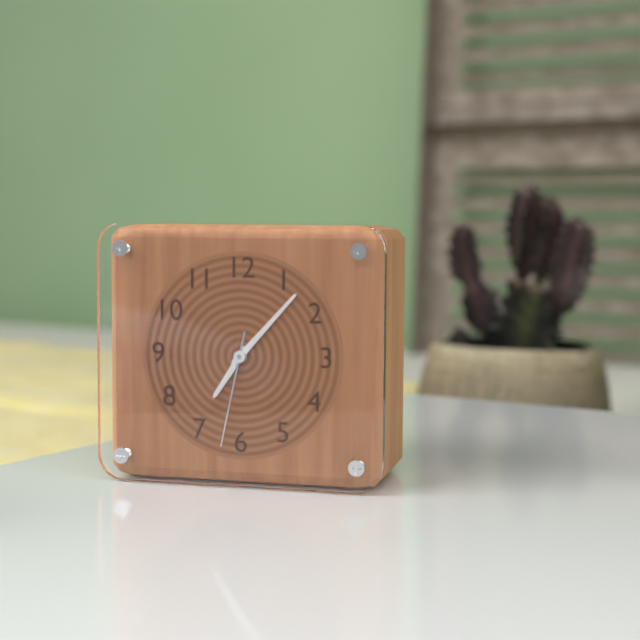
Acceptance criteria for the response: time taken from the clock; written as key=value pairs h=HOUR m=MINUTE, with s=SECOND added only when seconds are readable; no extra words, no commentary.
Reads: h=7 m=7 s=32
